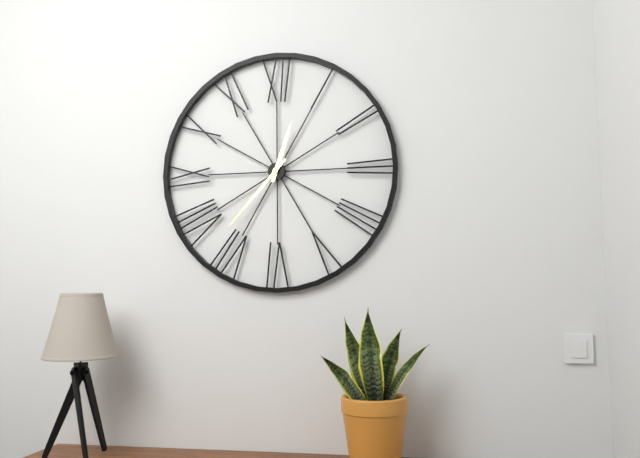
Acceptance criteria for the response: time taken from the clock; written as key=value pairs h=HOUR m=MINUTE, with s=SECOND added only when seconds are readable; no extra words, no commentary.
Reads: h=12 m=37
